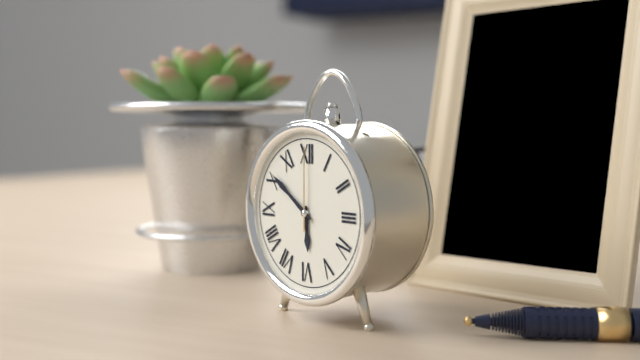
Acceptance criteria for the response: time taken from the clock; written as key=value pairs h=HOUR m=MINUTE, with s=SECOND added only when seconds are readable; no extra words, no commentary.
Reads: h=5 m=51 s=0
